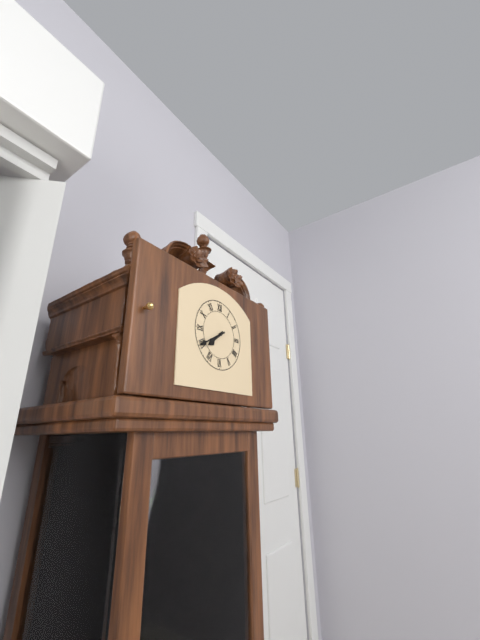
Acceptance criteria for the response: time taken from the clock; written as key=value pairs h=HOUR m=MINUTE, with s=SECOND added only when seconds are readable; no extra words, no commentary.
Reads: h=7 m=40
